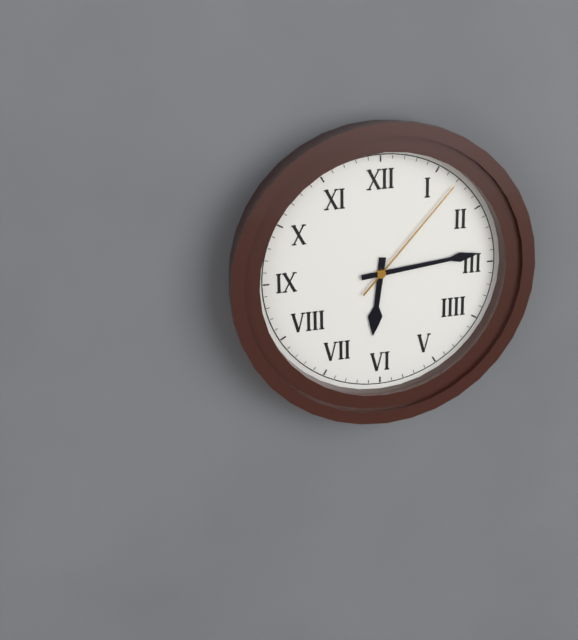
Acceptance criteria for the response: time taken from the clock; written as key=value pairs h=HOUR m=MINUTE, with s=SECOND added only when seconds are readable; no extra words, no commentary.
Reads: h=6 m=14 s=7
